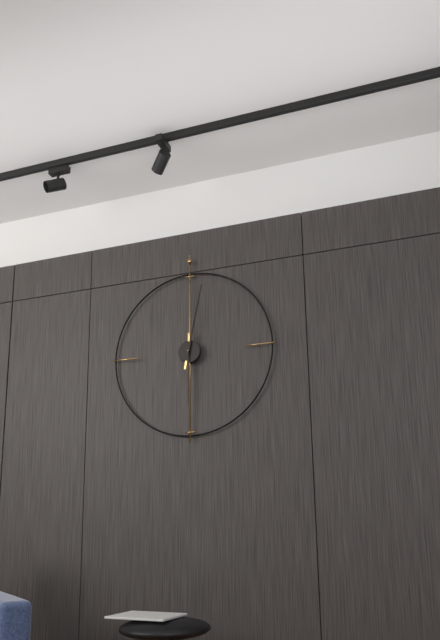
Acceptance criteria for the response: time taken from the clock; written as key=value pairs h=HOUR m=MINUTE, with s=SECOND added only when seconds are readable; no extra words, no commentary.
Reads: h=6 m=2
